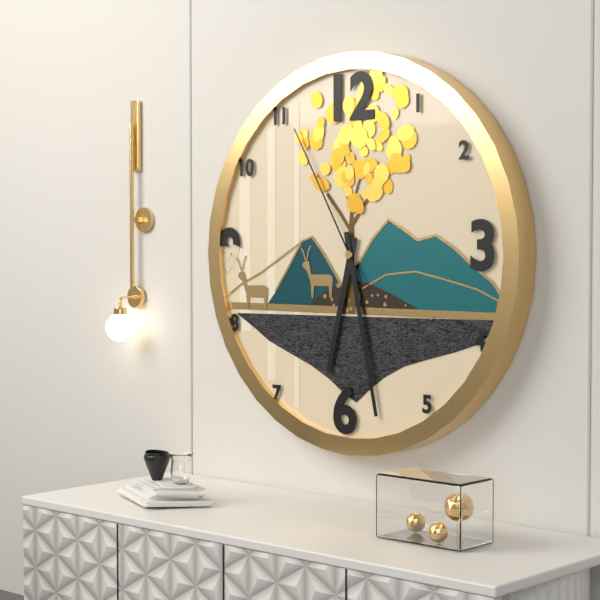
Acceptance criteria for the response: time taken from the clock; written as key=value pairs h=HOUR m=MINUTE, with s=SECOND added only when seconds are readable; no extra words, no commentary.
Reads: h=6 m=28 s=55
